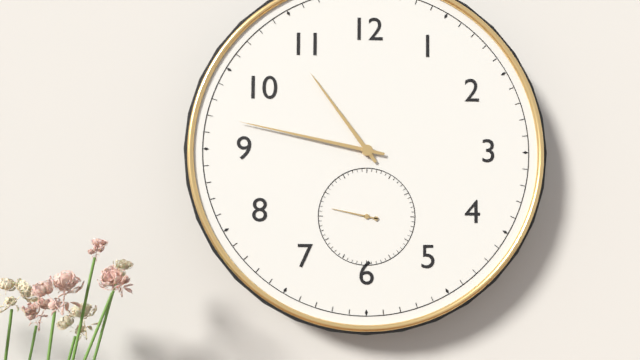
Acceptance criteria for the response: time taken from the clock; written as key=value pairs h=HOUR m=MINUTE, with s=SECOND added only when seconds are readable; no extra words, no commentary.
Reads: h=10 m=47
